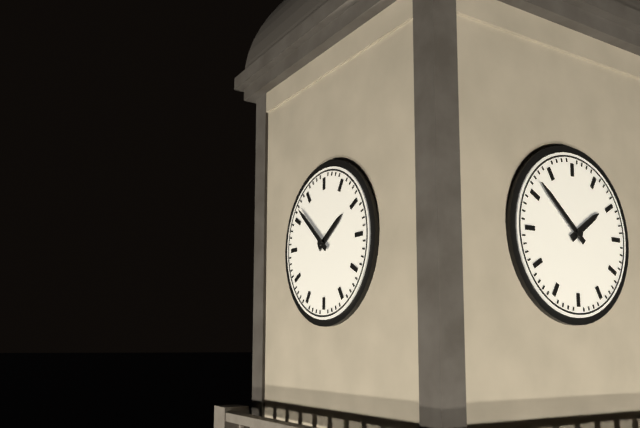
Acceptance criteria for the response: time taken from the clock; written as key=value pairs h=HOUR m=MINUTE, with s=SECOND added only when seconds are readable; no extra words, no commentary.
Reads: h=1 m=52
